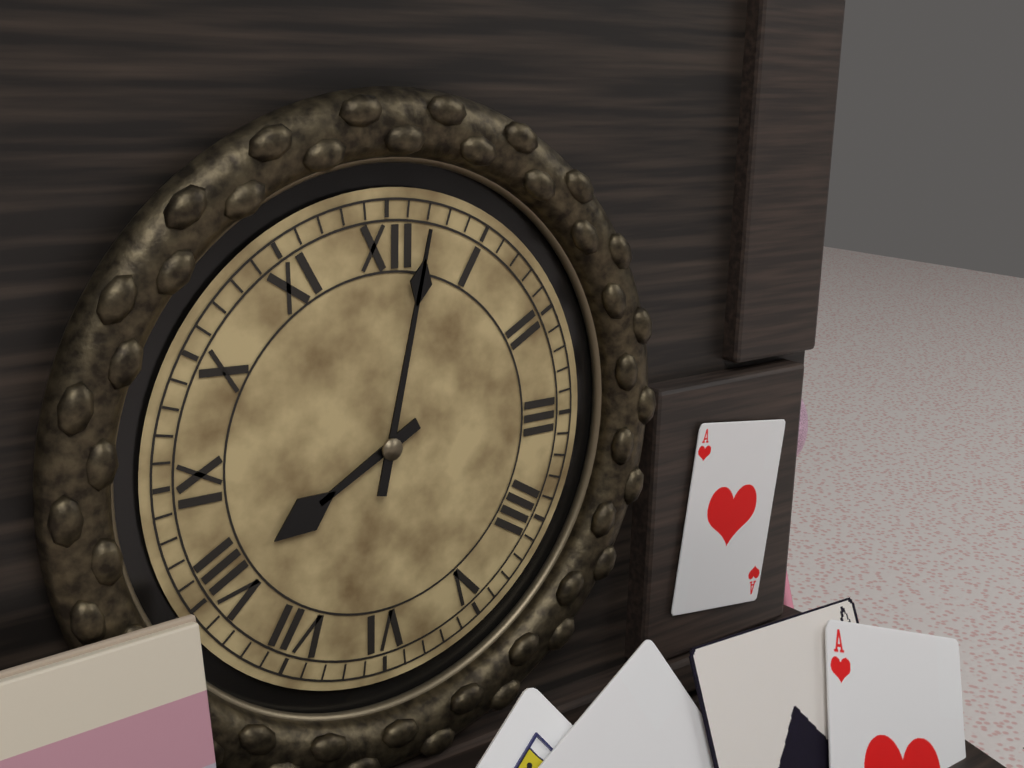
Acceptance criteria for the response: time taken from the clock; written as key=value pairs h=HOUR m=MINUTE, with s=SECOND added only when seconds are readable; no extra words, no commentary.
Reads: h=8 m=2
